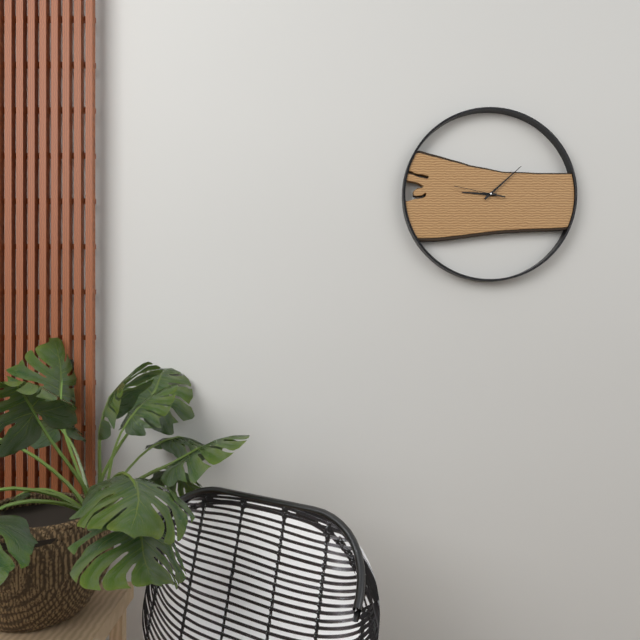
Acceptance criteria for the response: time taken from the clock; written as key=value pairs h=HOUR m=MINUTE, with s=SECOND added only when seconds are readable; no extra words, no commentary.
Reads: h=9 m=8
